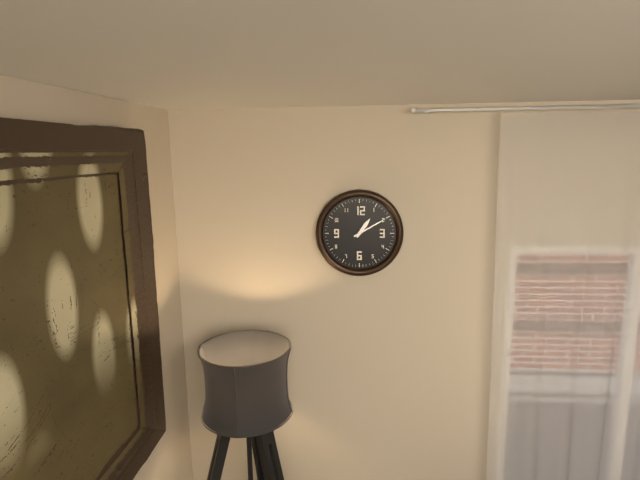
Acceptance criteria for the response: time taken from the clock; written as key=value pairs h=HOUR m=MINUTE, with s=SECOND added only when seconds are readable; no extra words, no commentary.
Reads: h=1 m=10
